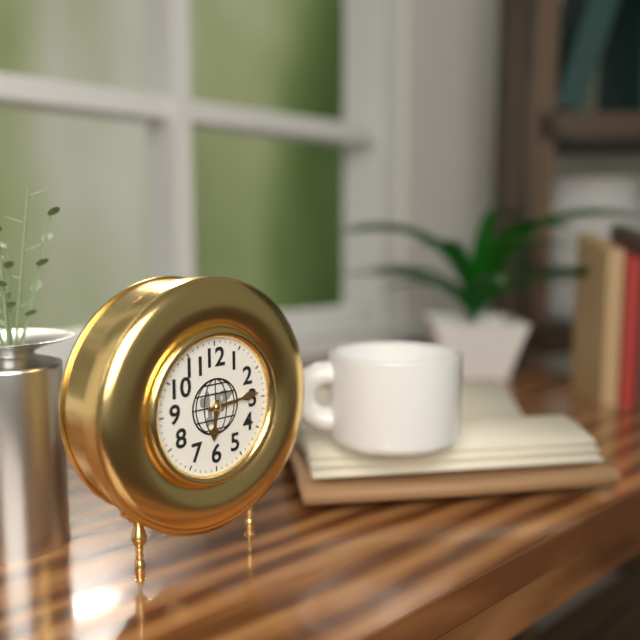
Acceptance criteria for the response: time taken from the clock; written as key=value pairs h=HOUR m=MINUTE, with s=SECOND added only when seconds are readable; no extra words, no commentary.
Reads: h=6 m=14
